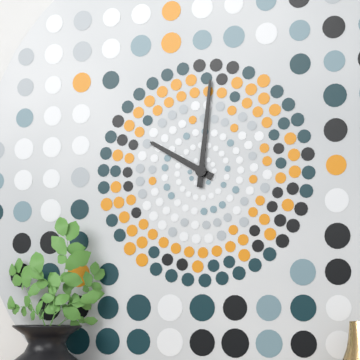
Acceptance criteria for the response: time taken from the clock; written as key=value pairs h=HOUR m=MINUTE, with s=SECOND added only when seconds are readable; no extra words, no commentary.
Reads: h=10 m=1
